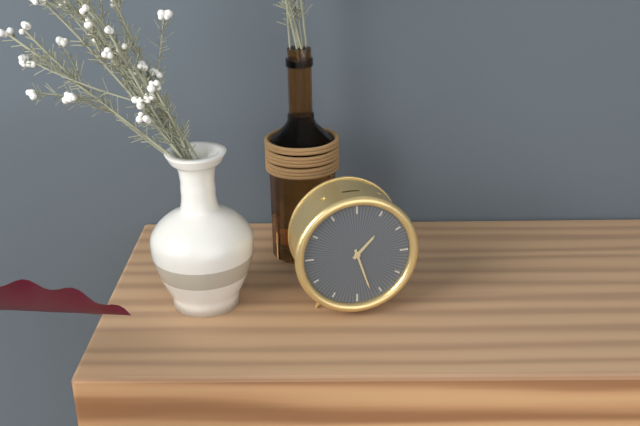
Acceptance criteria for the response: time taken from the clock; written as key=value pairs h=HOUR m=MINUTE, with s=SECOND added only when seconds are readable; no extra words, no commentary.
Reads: h=1 m=27
